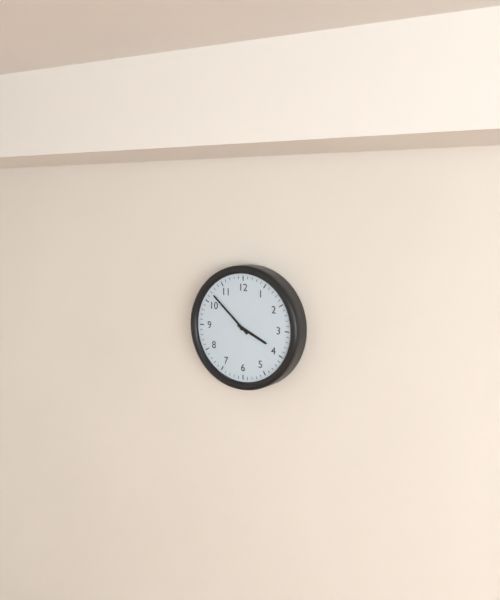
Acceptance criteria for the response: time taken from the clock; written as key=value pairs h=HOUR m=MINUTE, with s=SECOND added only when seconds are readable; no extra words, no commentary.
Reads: h=3 m=52
